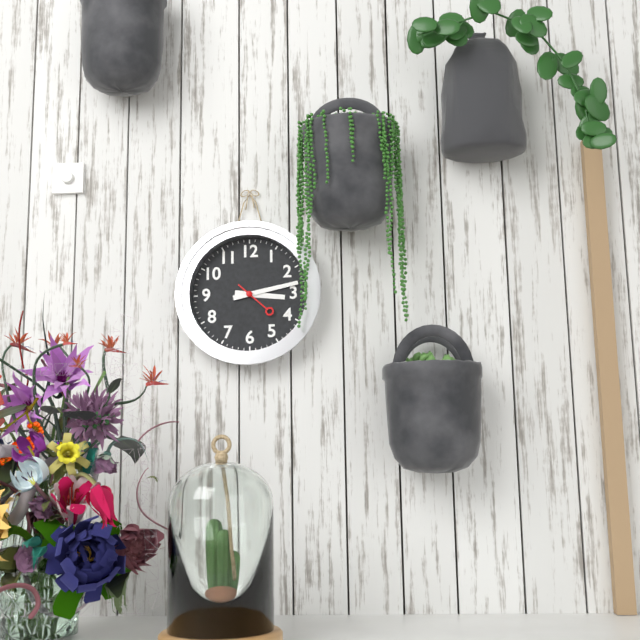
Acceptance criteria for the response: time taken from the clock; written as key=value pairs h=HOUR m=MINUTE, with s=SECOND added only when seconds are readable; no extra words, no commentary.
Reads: h=3 m=13
